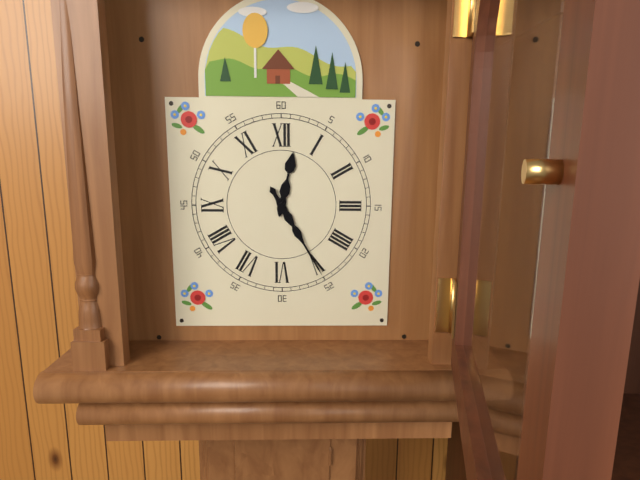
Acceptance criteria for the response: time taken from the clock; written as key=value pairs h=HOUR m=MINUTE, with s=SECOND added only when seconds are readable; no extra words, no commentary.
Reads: h=12 m=25
